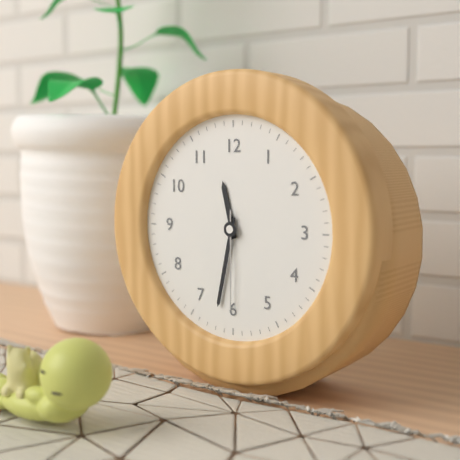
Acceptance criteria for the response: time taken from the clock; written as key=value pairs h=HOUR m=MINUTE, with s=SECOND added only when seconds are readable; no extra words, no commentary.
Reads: h=11 m=32 s=30
